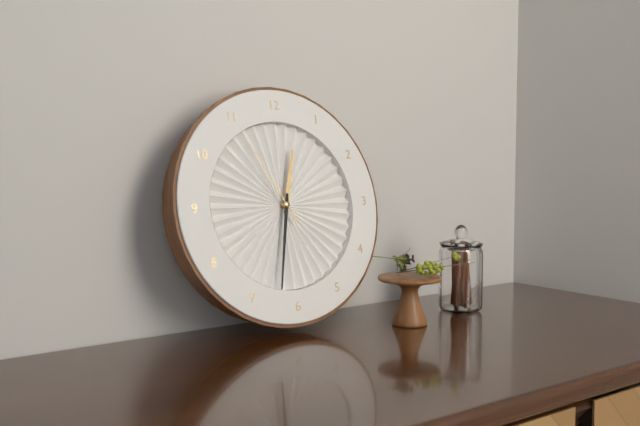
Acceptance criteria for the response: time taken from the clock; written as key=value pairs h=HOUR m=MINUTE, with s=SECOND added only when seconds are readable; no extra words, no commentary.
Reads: h=12 m=32 s=55
